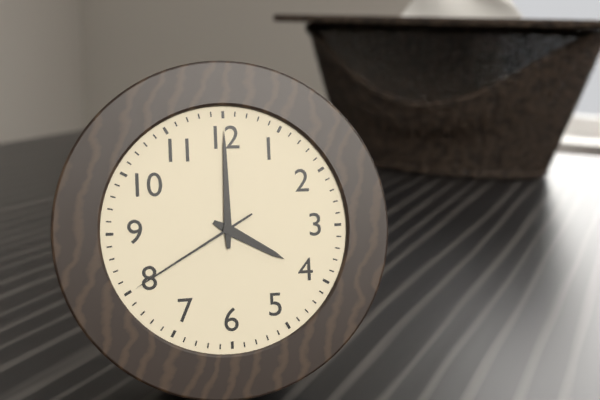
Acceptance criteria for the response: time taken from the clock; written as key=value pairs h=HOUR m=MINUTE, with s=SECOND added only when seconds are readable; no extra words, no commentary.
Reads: h=4 m=0 s=40
